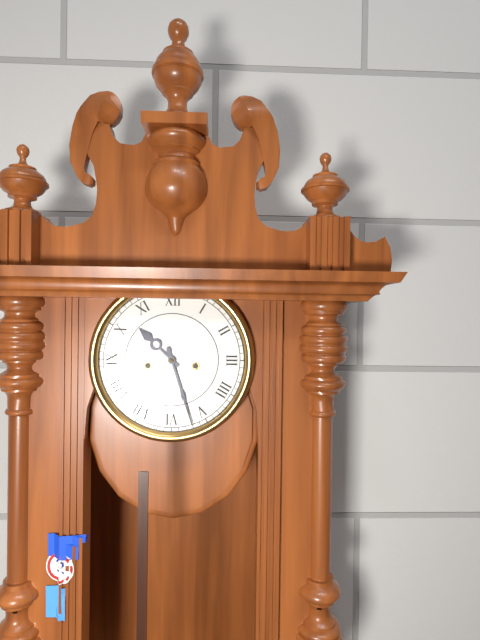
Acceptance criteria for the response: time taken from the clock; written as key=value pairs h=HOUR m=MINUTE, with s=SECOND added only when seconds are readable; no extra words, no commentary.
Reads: h=10 m=27
